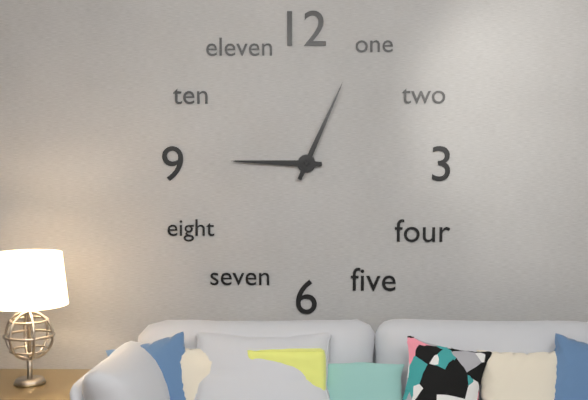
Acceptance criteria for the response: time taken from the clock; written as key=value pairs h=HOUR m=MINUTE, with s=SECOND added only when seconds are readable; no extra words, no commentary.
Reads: h=9 m=4
